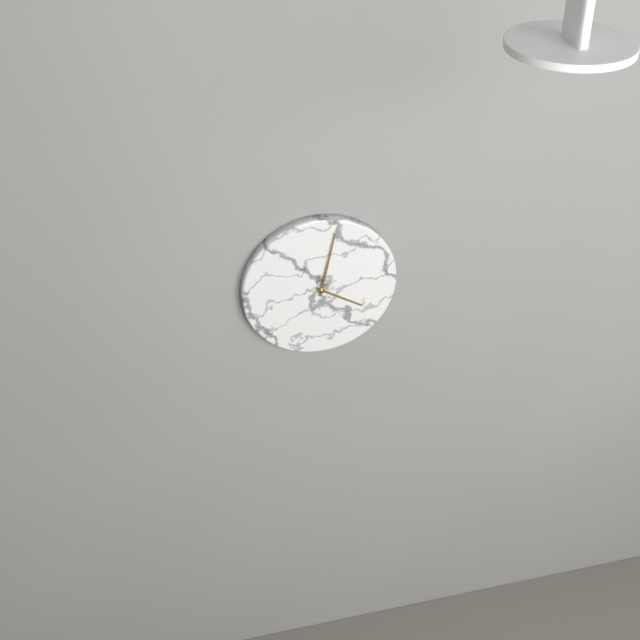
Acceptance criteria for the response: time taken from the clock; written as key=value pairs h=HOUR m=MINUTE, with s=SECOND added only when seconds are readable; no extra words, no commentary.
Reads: h=4 m=2
